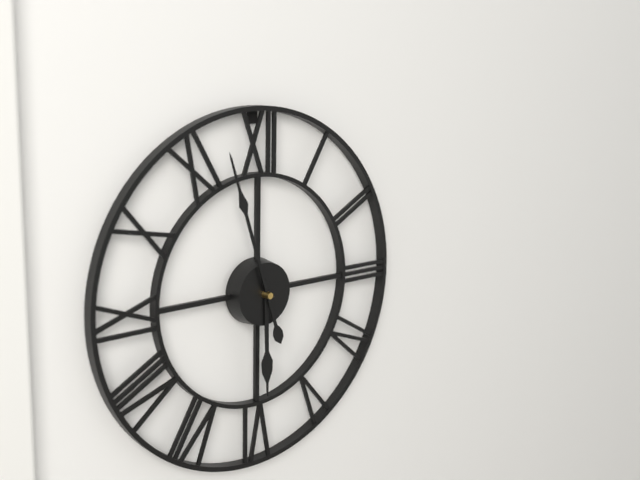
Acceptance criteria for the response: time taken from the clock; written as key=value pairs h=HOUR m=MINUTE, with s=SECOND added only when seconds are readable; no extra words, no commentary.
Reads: h=5 m=57
